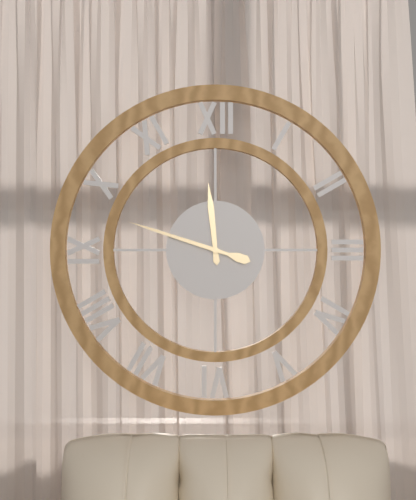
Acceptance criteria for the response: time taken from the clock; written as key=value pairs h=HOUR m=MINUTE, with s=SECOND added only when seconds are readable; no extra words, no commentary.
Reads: h=11 m=48
